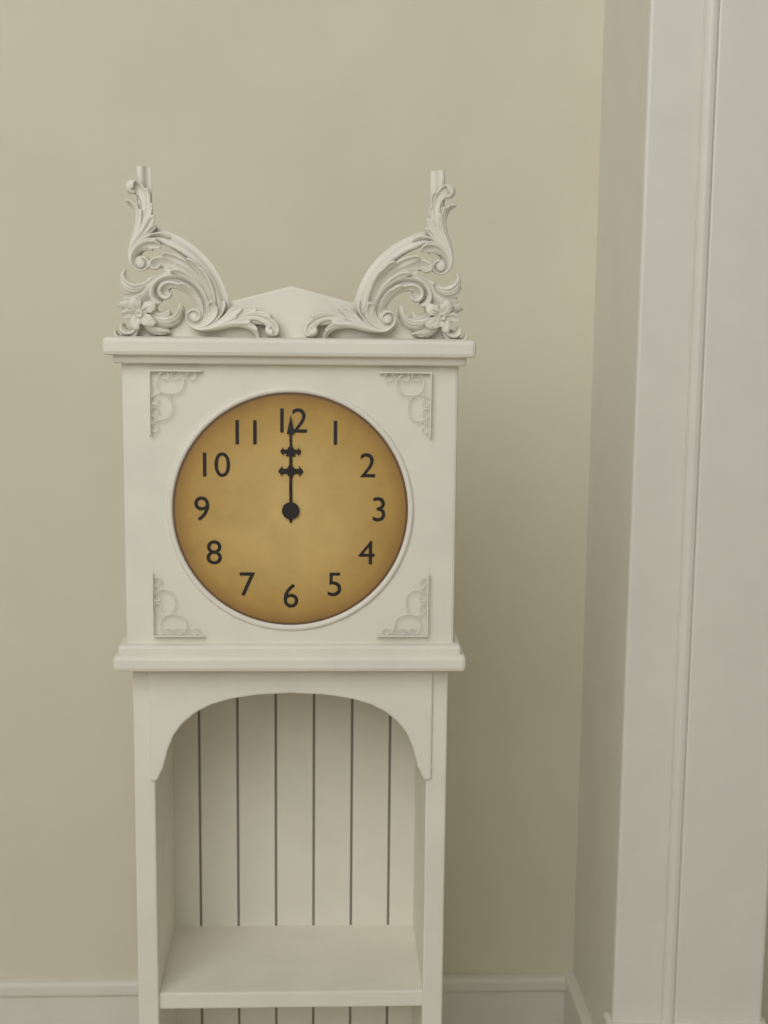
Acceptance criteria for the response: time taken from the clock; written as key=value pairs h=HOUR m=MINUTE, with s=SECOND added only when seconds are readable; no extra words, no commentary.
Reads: h=12 m=0
